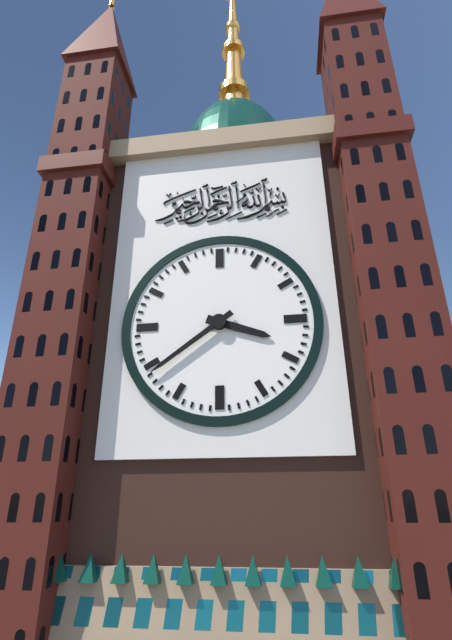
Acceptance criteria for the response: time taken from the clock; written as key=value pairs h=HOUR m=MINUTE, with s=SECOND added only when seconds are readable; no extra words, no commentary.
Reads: h=3 m=39
